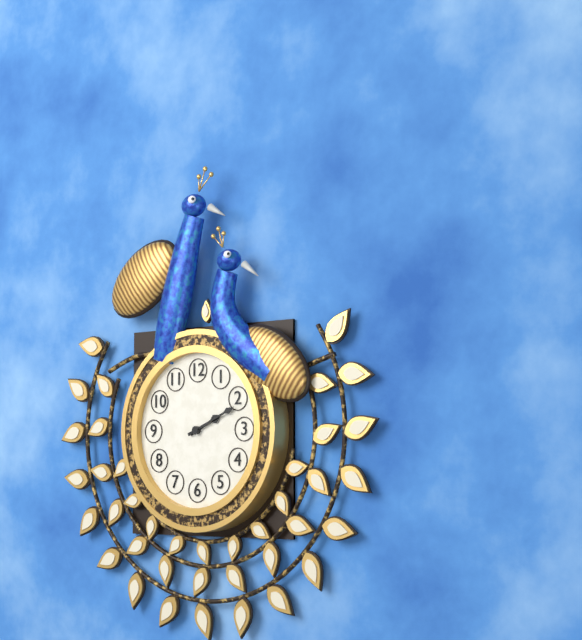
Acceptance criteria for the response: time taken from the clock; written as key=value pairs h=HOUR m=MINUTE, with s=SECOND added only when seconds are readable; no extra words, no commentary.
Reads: h=2 m=11
